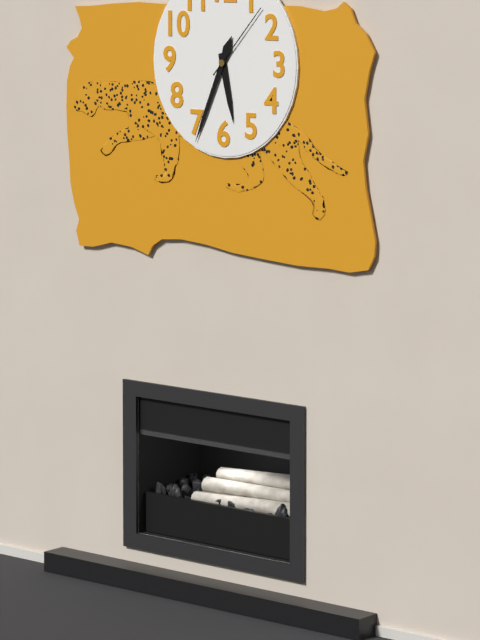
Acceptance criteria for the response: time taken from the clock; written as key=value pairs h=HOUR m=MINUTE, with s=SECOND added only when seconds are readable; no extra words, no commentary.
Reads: h=5 m=34 s=7
